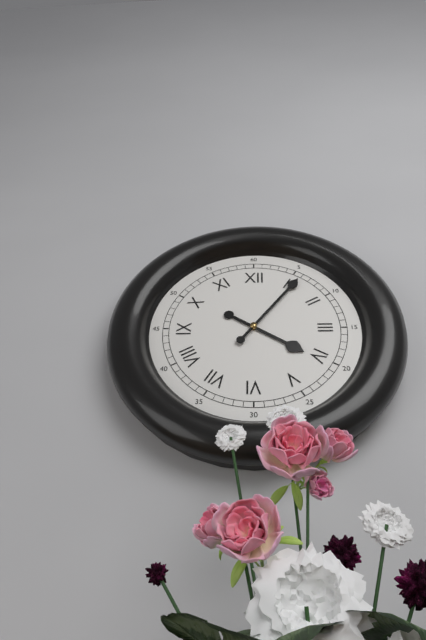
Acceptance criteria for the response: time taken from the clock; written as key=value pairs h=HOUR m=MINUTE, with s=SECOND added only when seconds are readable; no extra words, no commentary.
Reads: h=4 m=6
